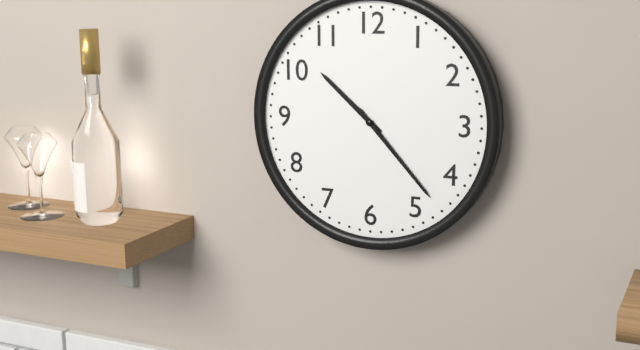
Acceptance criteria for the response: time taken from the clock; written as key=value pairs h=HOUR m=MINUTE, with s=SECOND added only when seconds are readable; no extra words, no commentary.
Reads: h=10 m=23
